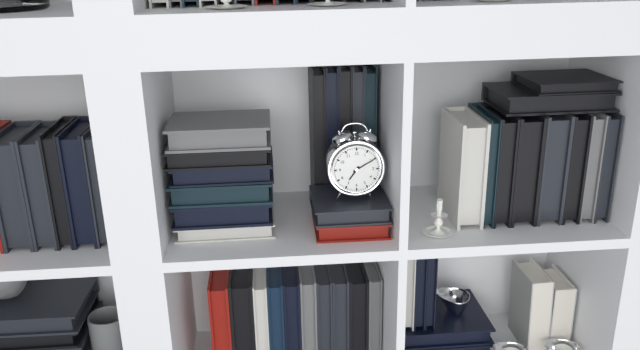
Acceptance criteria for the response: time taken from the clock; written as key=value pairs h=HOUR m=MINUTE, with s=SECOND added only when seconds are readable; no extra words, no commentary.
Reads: h=7 m=10
